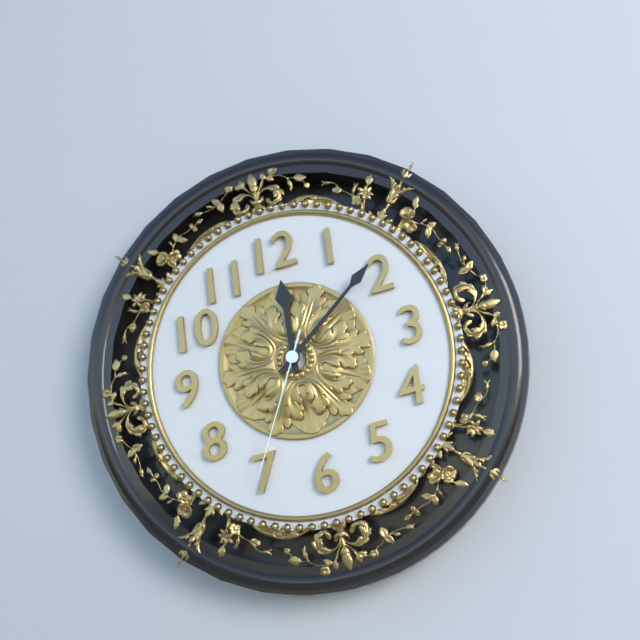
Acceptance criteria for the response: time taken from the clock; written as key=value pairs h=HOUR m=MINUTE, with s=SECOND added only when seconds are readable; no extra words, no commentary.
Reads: h=12 m=9 s=35
